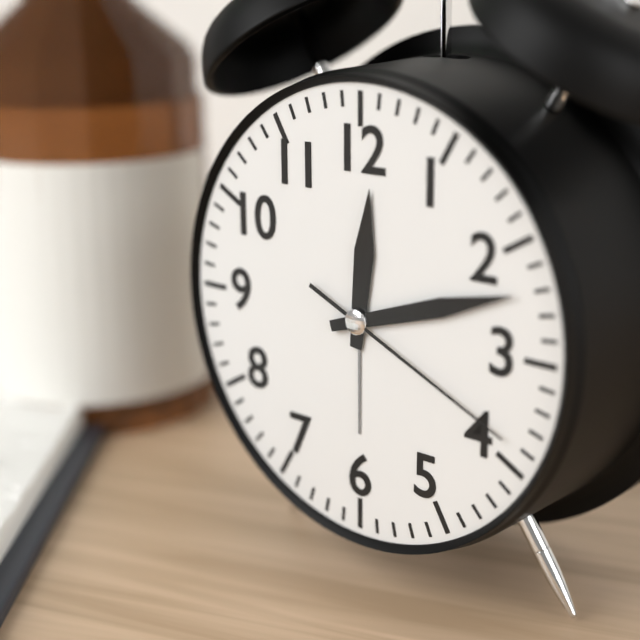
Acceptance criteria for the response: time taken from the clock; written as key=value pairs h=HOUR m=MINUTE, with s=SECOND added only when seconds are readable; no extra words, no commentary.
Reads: h=12 m=12 s=19
